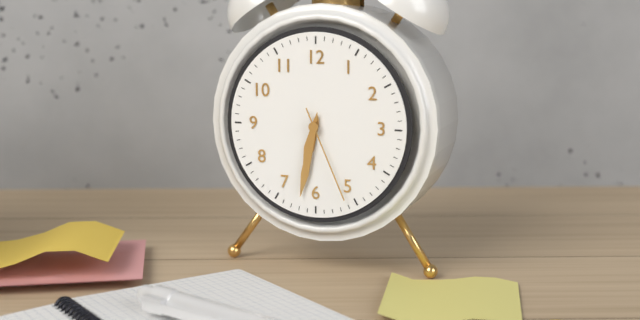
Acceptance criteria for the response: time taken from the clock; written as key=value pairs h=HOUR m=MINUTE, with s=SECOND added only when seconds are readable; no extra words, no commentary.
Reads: h=6 m=32 s=26
